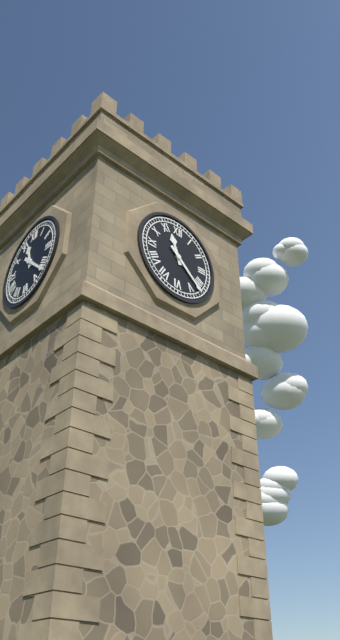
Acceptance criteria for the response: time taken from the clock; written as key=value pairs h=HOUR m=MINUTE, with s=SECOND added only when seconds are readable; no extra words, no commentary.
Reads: h=11 m=22
